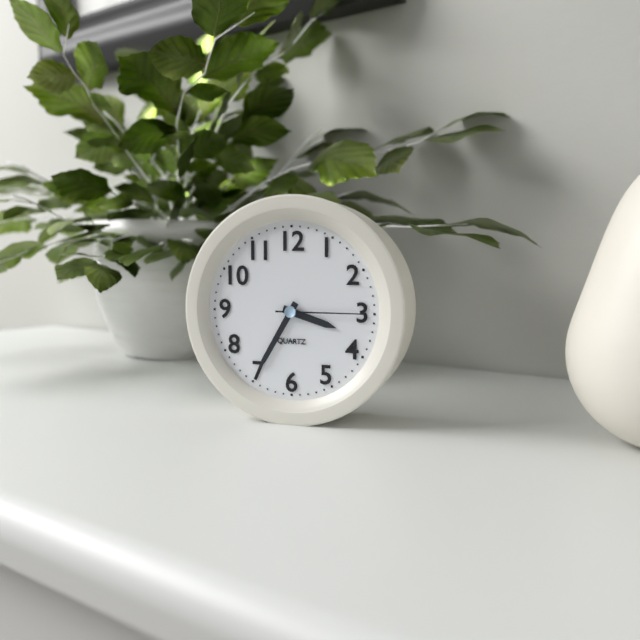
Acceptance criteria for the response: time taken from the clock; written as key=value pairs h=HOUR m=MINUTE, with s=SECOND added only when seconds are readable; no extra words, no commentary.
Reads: h=3 m=35 s=15
